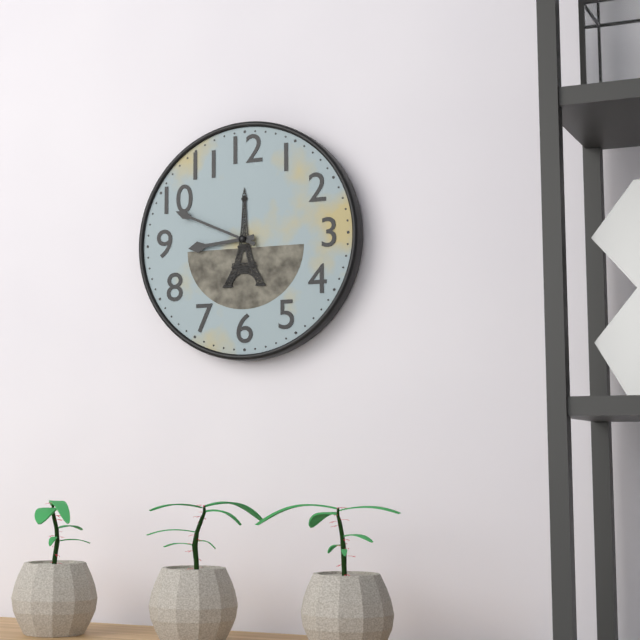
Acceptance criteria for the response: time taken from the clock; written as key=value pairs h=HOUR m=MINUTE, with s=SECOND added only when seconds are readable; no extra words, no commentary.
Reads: h=8 m=49
